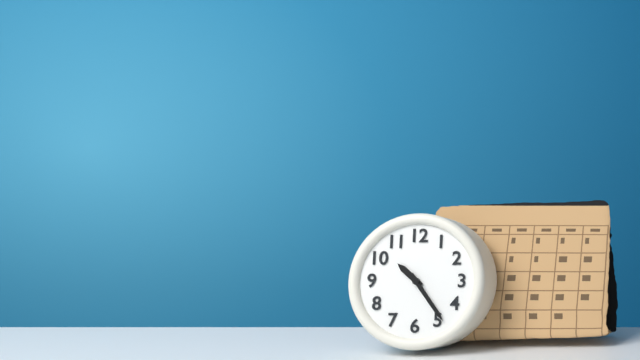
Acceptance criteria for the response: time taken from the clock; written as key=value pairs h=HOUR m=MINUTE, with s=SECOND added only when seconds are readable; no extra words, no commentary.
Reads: h=10 m=24
